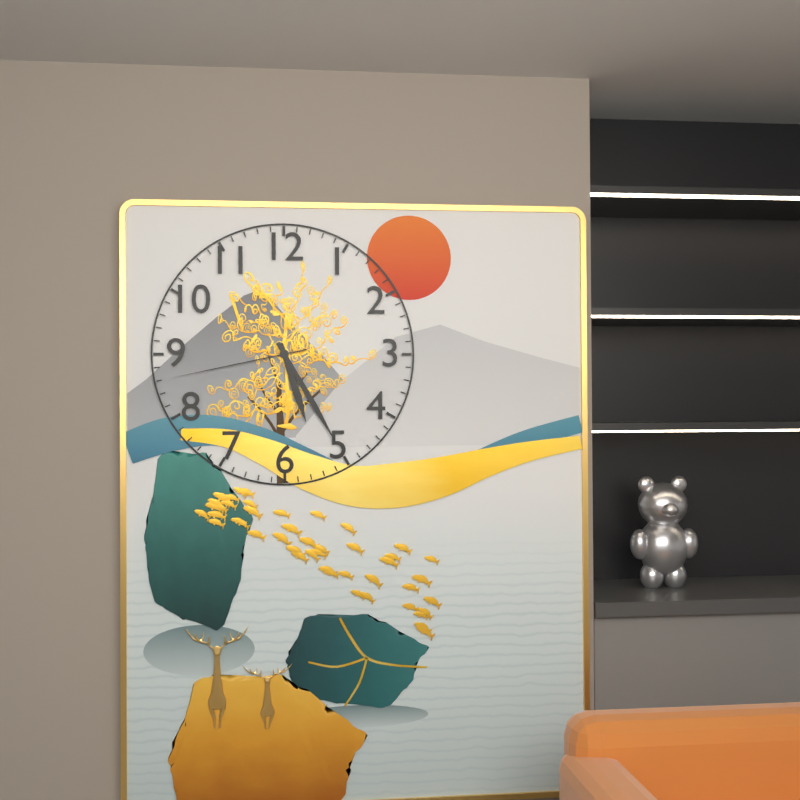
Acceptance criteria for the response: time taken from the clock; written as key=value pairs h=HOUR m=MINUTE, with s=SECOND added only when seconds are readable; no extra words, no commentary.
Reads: h=5 m=25 s=43
